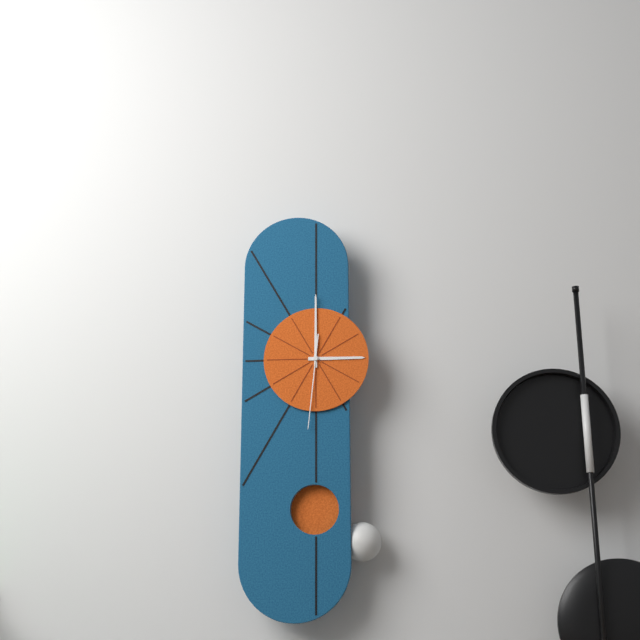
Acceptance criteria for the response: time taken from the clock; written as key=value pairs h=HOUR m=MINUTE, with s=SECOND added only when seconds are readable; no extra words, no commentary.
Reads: h=3 m=0 s=31
